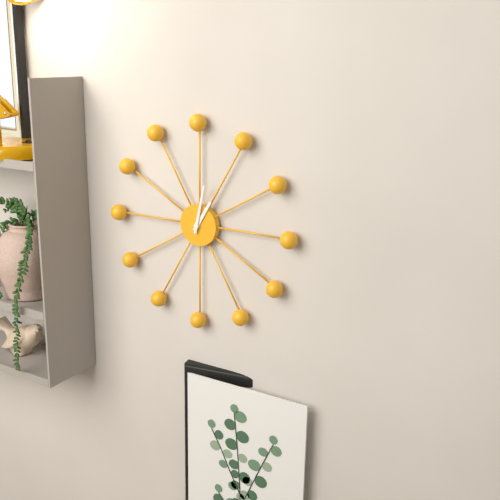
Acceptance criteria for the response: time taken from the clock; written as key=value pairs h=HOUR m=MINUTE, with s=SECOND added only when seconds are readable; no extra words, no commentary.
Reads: h=1 m=2
